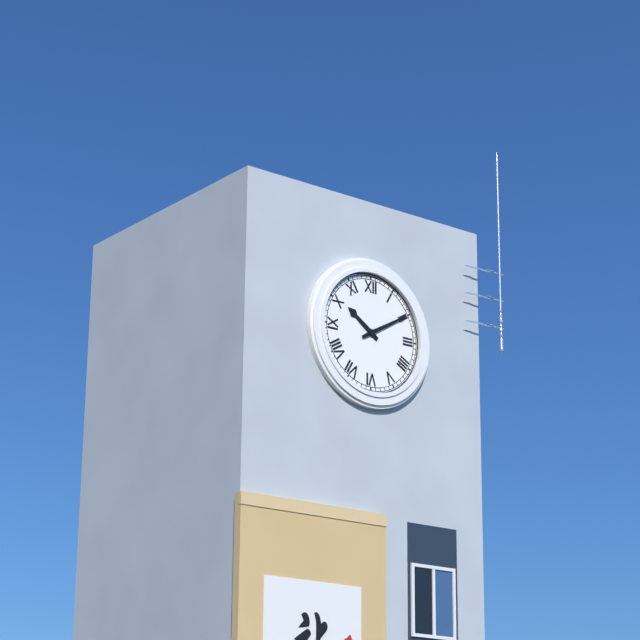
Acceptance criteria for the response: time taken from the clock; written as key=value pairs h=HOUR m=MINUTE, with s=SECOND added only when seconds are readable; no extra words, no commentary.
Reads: h=10 m=10
